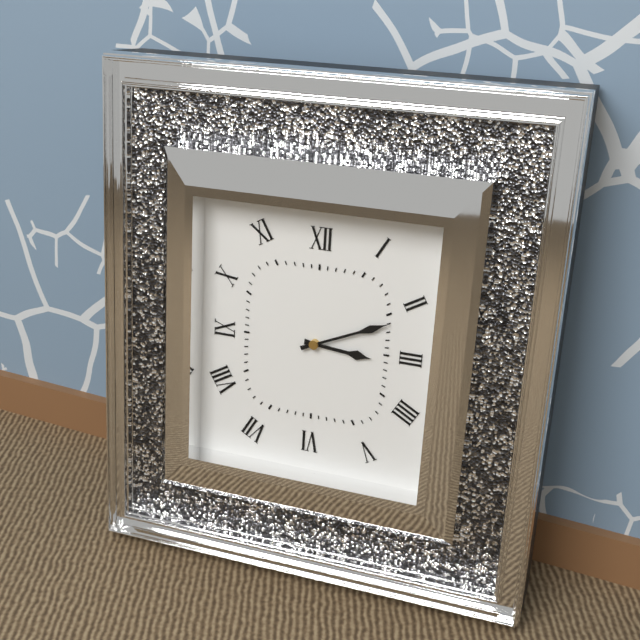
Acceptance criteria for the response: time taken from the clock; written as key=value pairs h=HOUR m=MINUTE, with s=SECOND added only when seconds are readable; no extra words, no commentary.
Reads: h=3 m=11
